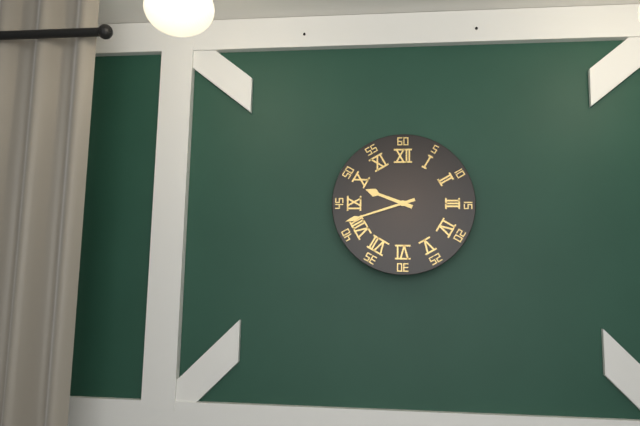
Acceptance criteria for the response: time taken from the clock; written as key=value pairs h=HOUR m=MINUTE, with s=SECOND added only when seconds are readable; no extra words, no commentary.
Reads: h=9 m=42
